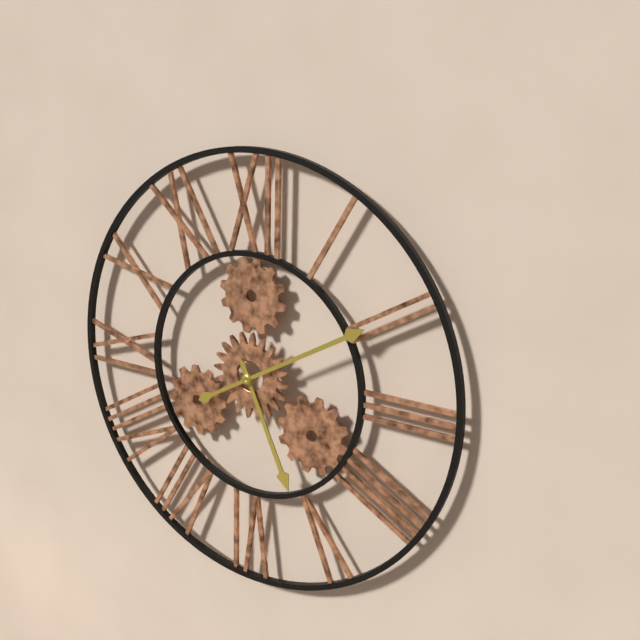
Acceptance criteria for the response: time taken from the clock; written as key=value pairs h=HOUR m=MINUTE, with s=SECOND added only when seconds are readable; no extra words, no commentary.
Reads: h=5 m=10
